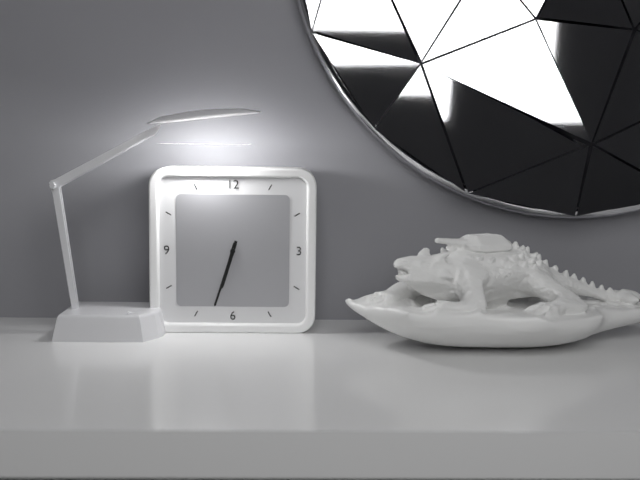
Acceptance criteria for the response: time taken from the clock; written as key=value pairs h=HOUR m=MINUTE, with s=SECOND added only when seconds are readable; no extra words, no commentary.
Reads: h=6 m=33
